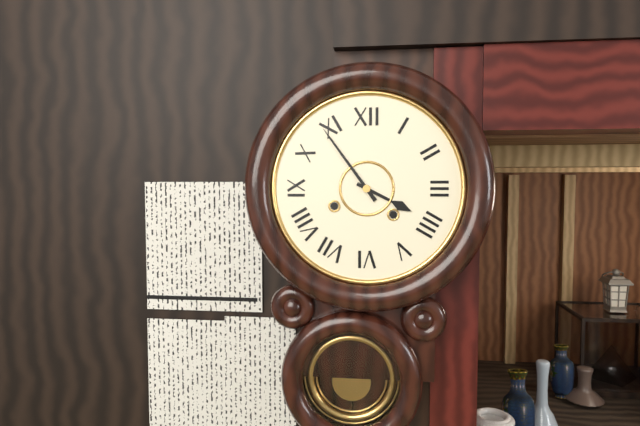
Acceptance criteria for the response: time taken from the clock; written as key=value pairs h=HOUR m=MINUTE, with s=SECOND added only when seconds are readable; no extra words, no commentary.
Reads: h=3 m=54
